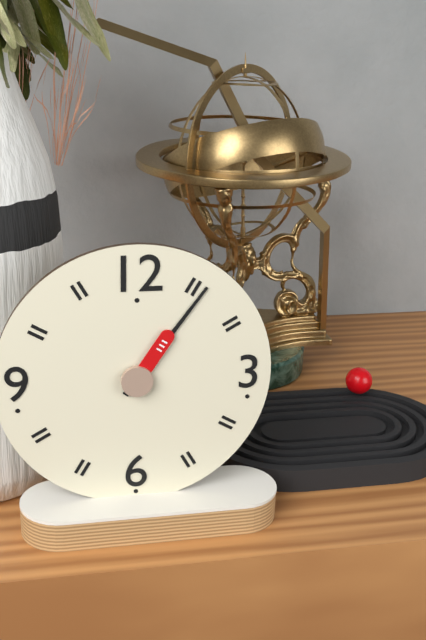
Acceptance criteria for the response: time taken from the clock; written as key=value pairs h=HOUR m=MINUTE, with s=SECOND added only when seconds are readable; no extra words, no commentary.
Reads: h=1 m=6
